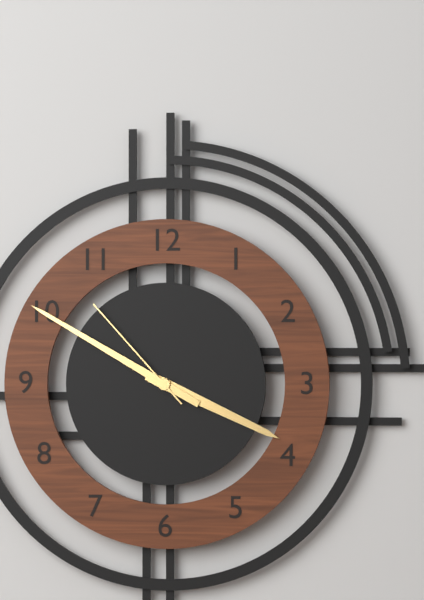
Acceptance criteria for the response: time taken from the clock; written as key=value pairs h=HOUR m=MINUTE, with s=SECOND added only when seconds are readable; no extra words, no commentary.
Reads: h=3 m=50 s=53
